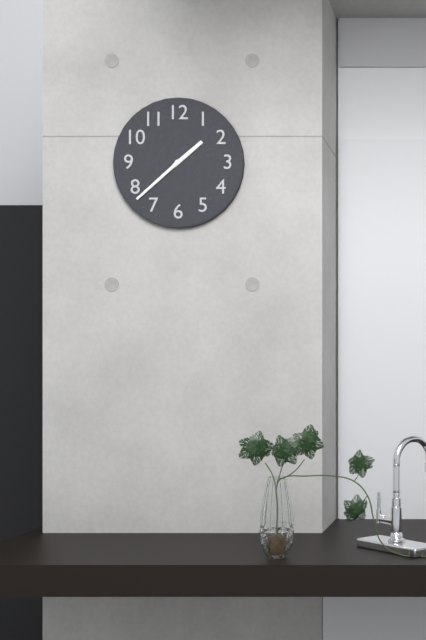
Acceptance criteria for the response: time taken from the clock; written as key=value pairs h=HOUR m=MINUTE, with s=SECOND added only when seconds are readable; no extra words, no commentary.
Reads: h=1 m=38
